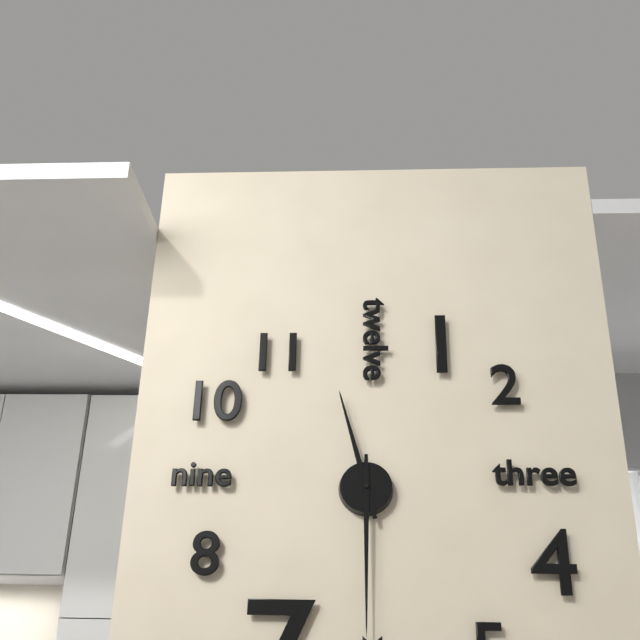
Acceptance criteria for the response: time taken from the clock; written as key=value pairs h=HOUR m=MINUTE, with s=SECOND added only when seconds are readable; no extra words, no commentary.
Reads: h=11 m=30
